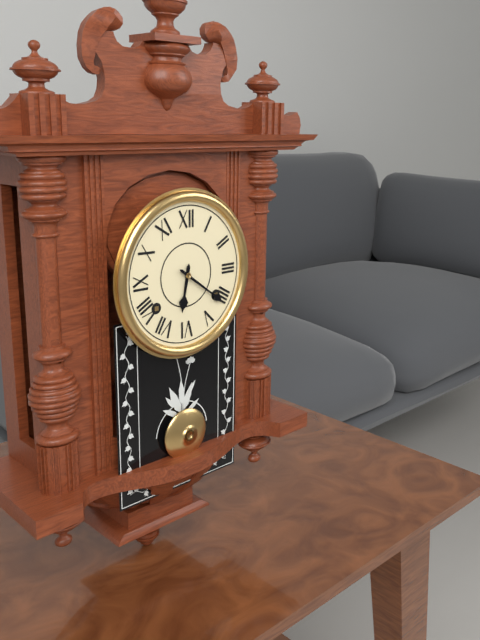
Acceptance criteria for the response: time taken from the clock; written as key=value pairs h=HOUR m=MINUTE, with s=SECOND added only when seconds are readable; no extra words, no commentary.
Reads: h=6 m=21
